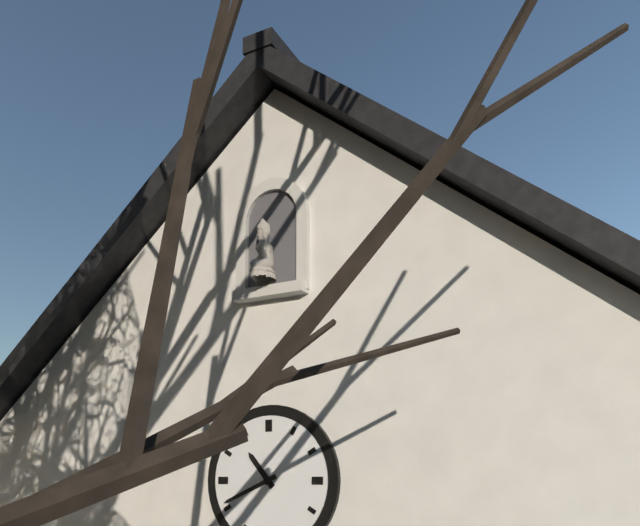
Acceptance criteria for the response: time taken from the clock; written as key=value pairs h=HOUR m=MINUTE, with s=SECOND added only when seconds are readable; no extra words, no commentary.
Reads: h=10 m=41
